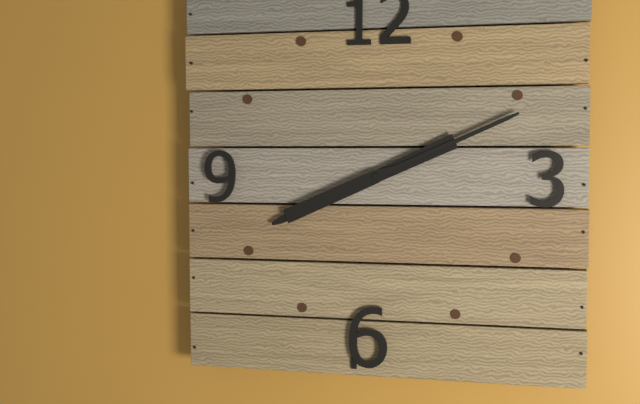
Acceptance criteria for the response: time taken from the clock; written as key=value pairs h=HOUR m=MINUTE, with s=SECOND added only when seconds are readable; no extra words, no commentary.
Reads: h=8 m=11
